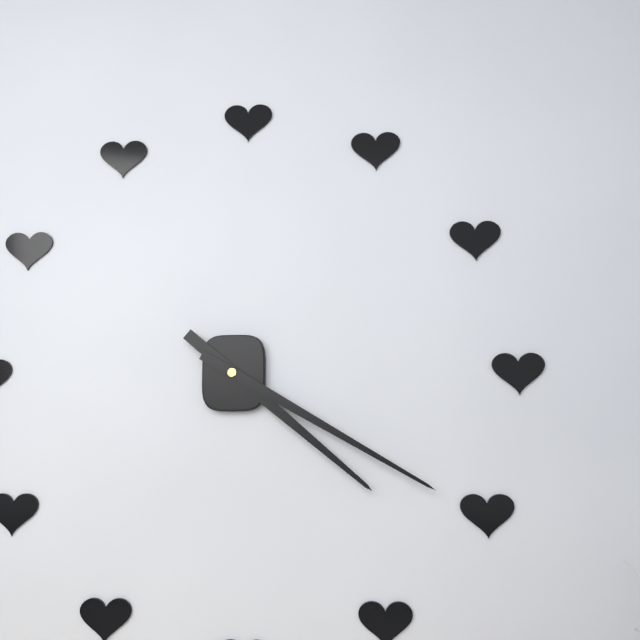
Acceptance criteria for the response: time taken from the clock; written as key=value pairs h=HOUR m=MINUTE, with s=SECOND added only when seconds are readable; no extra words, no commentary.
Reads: h=4 m=20
